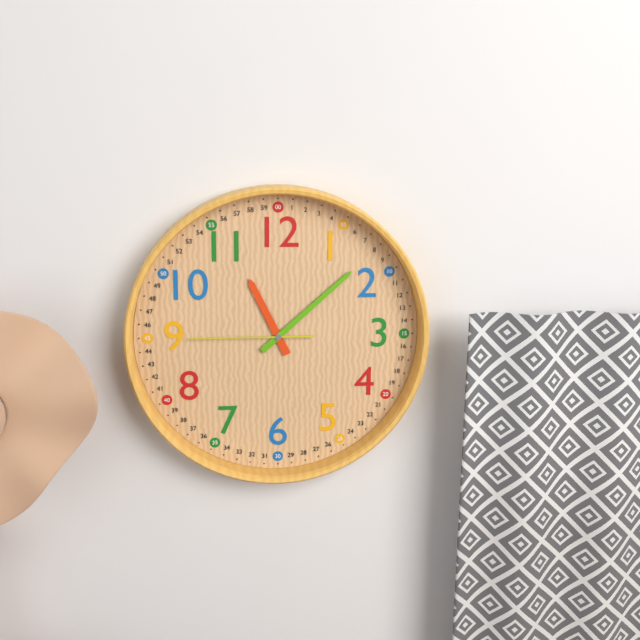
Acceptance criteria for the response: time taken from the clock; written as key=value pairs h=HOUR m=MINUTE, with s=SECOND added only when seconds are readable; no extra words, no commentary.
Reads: h=11 m=8 s=45
